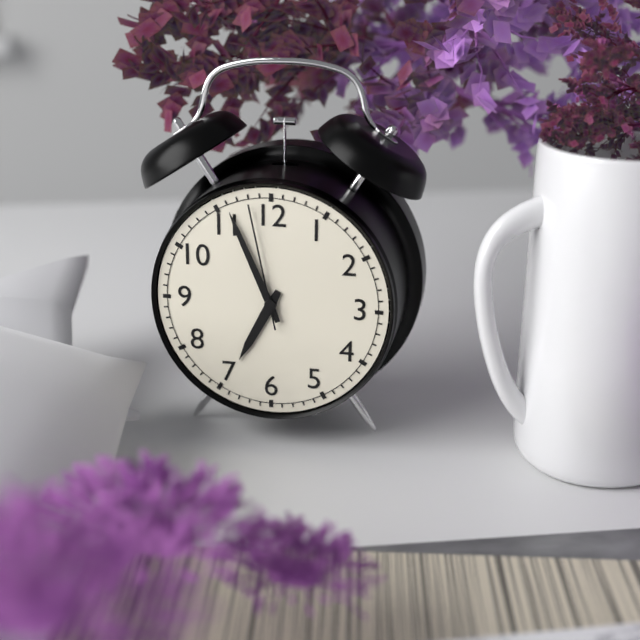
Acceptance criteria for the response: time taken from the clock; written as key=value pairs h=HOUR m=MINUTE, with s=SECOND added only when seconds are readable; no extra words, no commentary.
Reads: h=6 m=56 s=58
